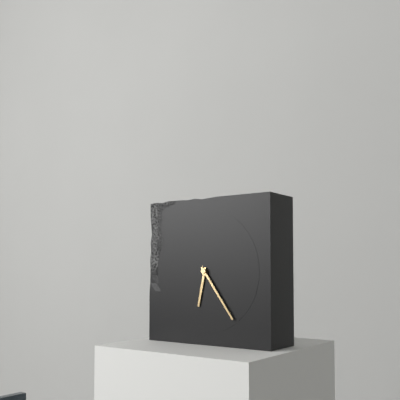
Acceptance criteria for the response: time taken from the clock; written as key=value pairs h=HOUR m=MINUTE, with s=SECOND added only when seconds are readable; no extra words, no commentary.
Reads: h=6 m=24
